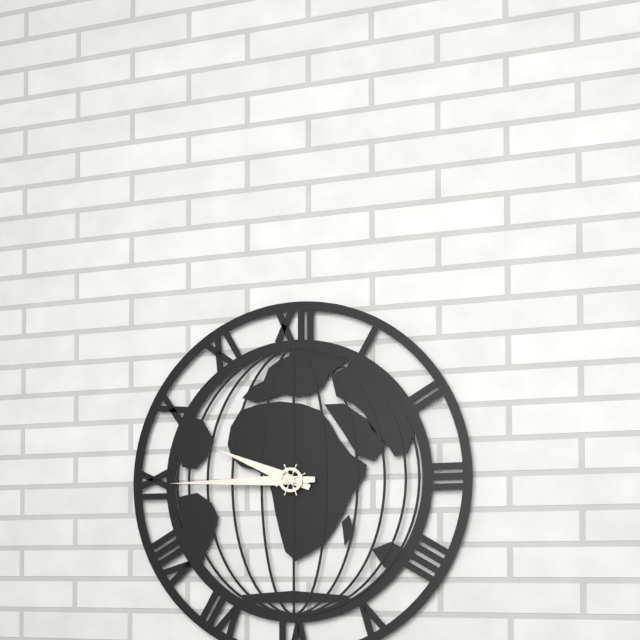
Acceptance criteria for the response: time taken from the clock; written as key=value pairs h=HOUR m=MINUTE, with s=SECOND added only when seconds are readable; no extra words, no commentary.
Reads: h=9 m=45
